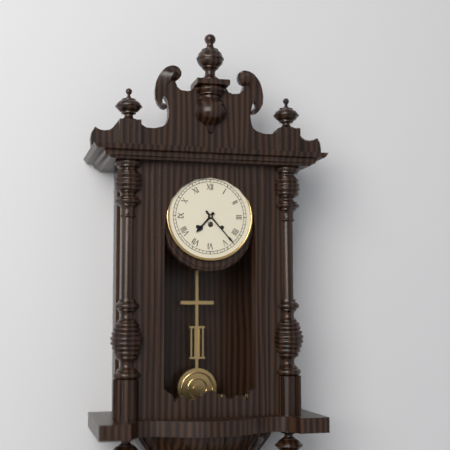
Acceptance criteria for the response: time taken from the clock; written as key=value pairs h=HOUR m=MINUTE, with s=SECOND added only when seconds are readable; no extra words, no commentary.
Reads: h=7 m=23
